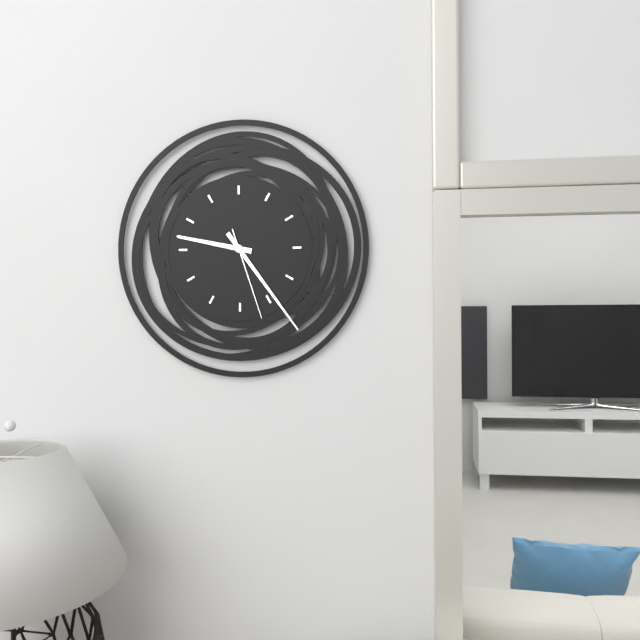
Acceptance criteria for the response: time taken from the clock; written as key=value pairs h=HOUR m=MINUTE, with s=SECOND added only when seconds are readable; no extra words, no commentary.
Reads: h=9 m=24 s=27
